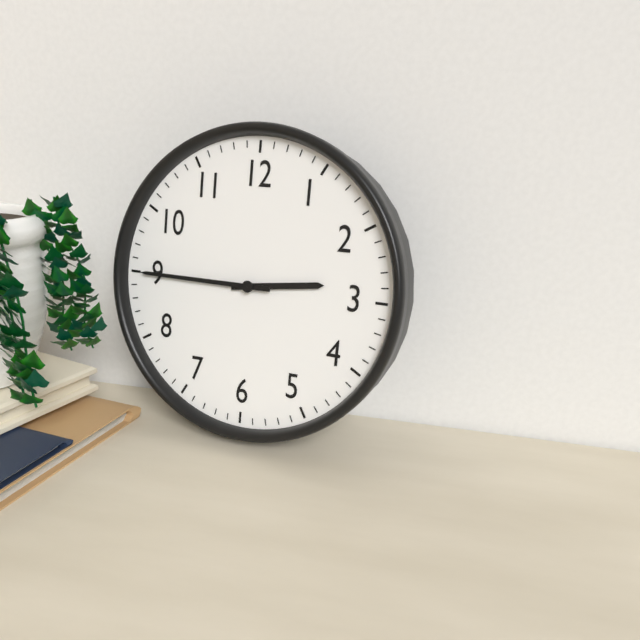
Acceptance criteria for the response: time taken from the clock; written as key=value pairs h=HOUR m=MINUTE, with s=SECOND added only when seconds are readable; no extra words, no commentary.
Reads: h=2 m=45
